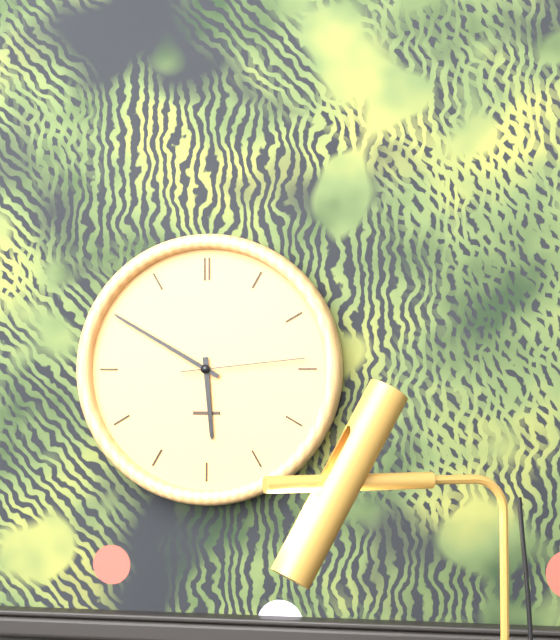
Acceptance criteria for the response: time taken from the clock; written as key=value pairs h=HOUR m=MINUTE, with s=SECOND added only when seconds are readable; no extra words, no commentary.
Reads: h=5 m=50 s=14
